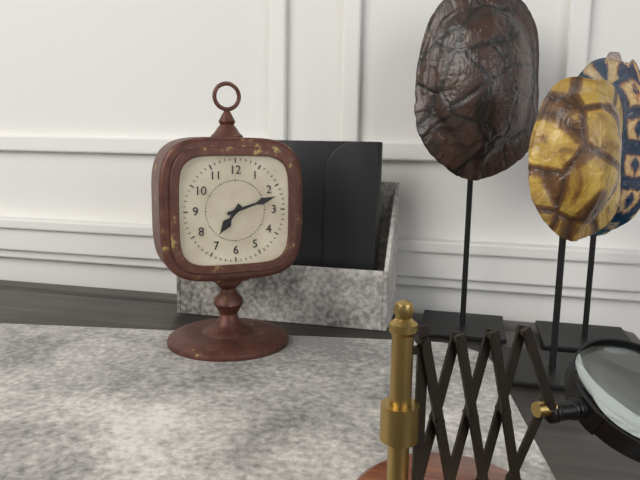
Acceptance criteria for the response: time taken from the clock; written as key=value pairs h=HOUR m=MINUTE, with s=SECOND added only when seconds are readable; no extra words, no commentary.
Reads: h=7 m=12
